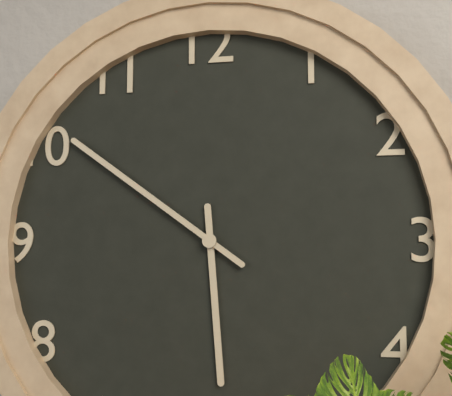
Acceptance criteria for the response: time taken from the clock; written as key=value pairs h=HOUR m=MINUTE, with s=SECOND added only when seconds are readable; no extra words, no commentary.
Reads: h=5 m=51
